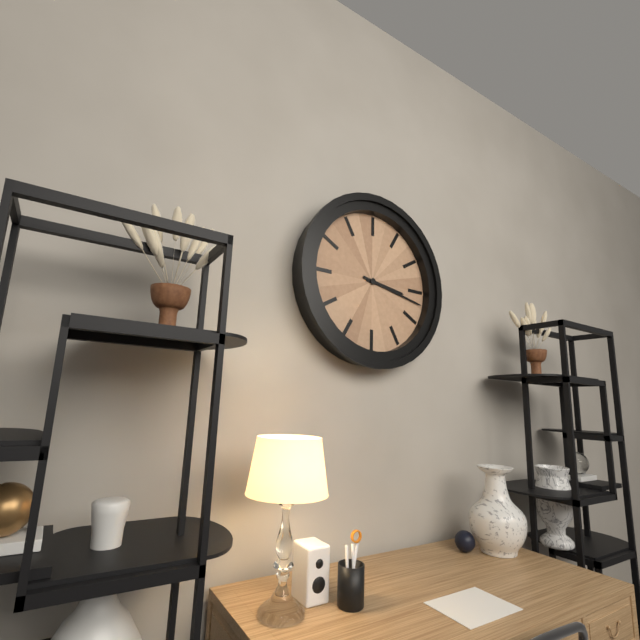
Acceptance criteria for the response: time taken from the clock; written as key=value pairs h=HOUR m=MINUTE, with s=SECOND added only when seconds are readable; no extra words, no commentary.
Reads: h=3 m=17
